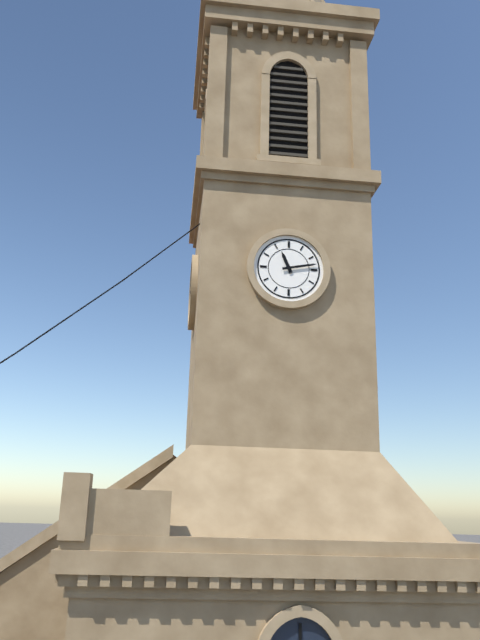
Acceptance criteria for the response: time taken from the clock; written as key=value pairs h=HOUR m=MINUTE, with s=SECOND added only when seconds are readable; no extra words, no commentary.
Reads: h=11 m=13
